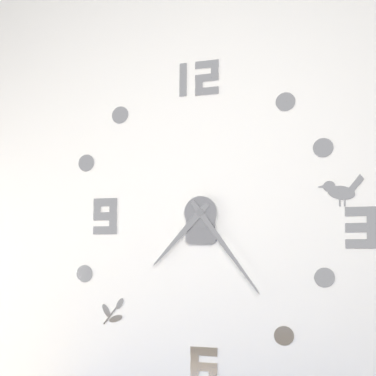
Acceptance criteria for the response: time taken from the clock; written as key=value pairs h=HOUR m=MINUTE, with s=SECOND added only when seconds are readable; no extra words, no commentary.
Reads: h=7 m=24
